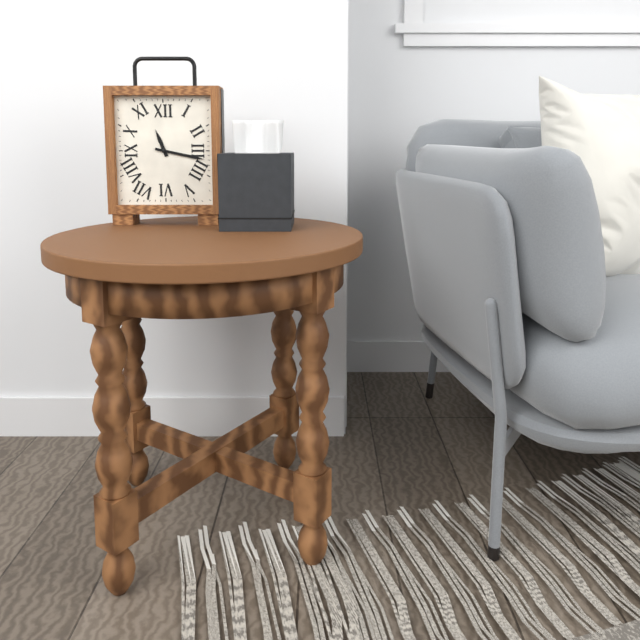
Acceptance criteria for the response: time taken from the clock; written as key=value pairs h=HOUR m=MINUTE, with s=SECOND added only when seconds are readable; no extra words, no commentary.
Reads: h=11 m=17
